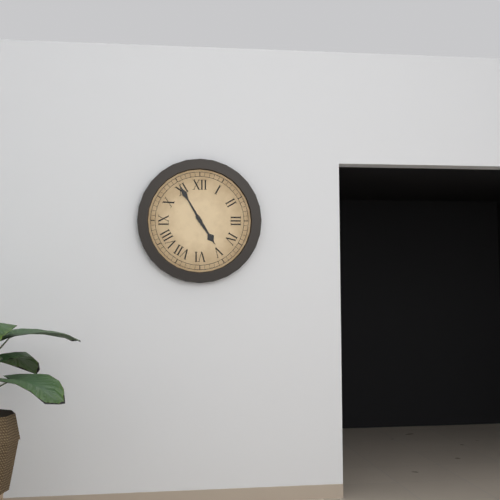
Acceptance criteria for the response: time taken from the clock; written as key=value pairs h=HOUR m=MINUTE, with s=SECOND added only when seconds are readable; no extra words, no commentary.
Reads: h=4 m=55
